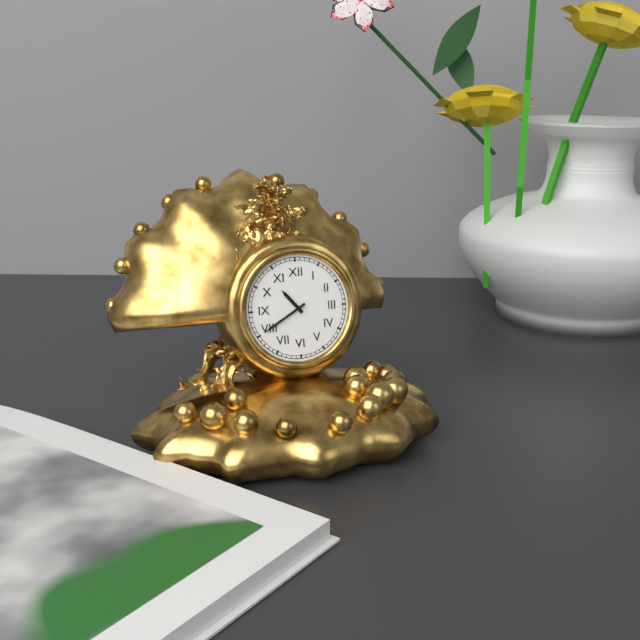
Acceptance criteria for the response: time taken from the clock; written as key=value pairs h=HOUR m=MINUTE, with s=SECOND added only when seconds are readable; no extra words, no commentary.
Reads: h=10 m=40
